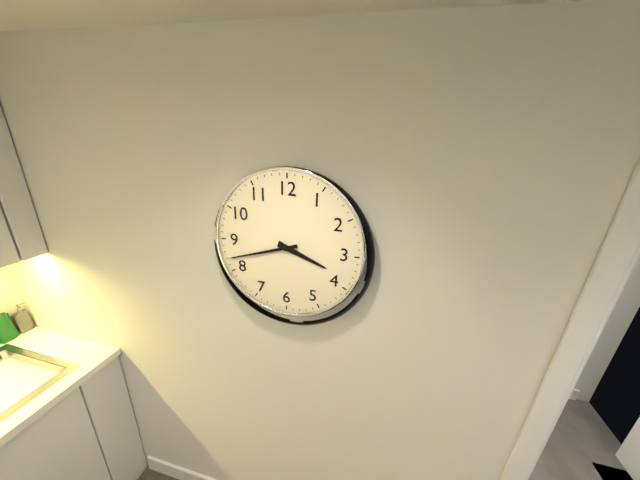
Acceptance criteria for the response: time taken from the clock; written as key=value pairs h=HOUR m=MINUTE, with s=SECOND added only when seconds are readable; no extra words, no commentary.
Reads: h=3 m=42
